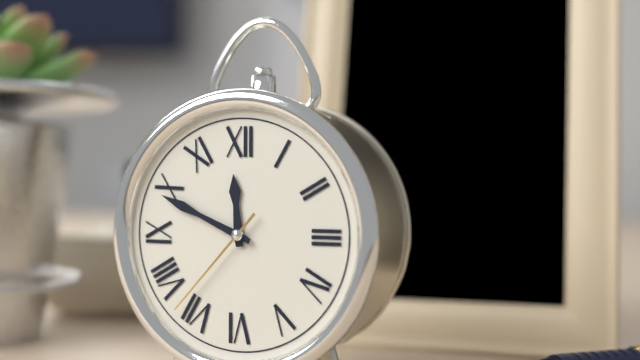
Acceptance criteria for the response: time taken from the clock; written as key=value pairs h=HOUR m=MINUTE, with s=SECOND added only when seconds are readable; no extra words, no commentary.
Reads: h=11 m=49 s=37
